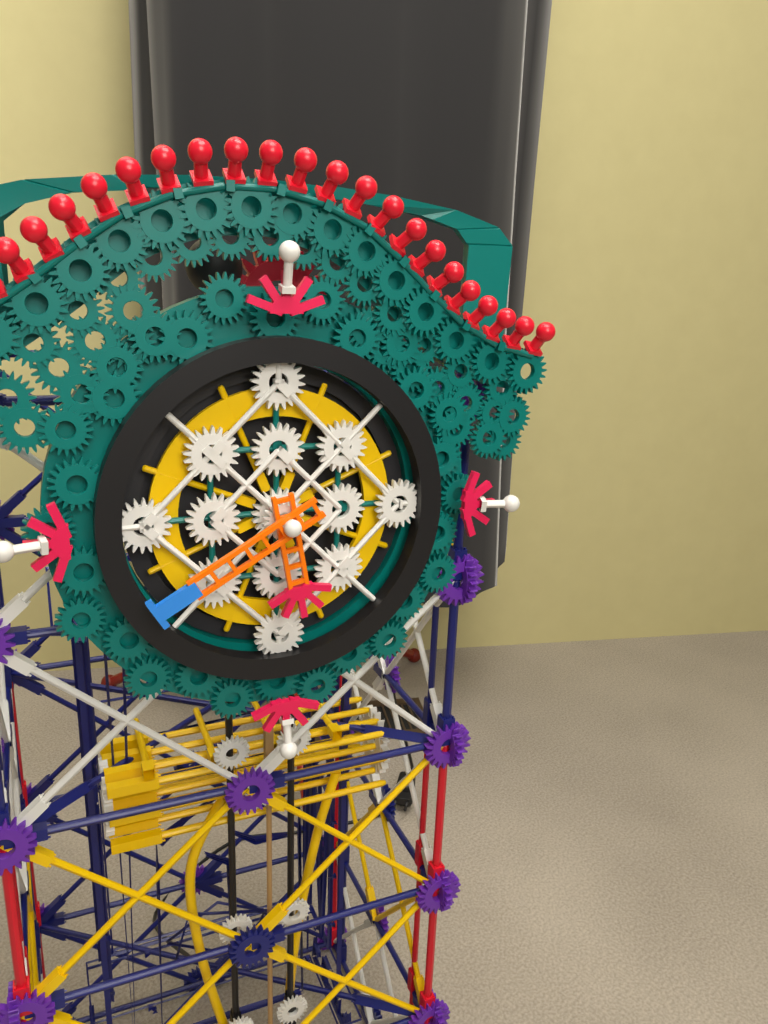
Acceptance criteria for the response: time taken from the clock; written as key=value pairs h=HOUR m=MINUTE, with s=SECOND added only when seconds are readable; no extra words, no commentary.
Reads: h=5 m=40
